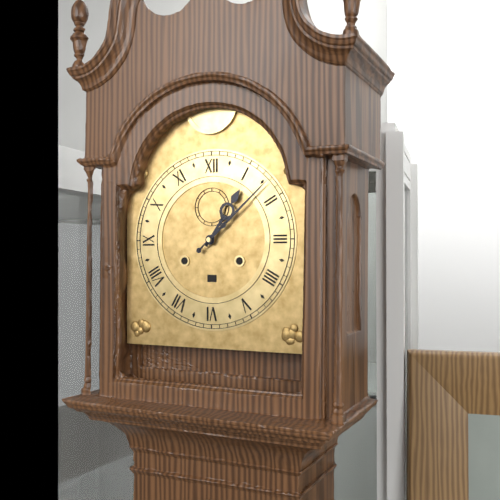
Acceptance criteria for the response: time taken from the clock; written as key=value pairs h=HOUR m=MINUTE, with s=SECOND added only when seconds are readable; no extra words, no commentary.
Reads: h=1 m=8
